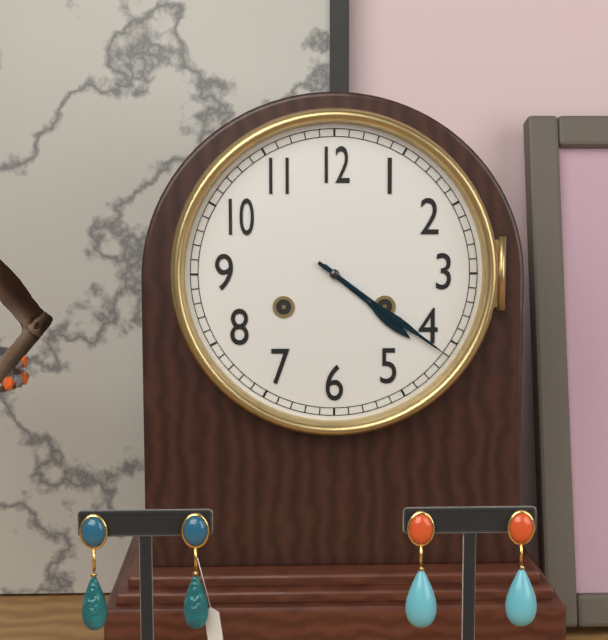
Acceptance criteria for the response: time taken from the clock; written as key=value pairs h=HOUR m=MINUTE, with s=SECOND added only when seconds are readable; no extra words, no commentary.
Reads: h=4 m=21
